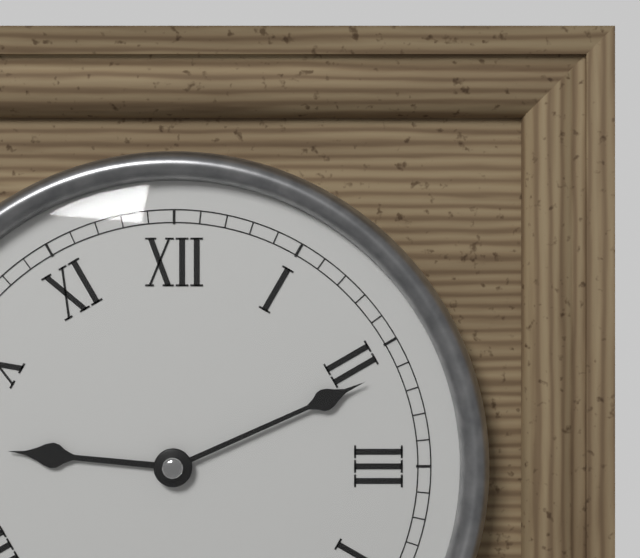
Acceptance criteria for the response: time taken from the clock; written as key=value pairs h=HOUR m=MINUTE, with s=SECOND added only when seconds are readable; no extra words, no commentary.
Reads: h=9 m=11
